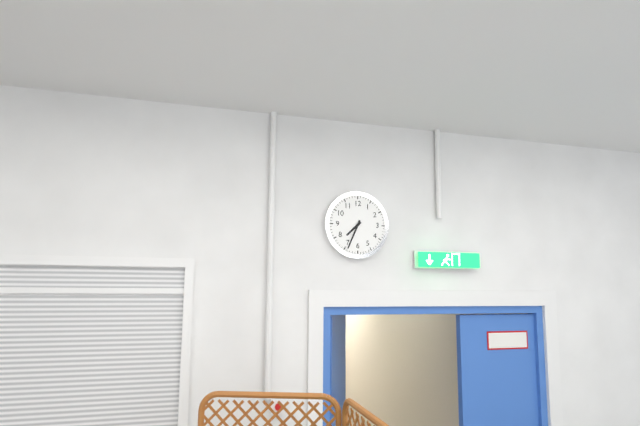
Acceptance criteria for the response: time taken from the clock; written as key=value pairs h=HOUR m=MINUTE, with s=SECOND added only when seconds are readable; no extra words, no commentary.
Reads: h=7 m=34
